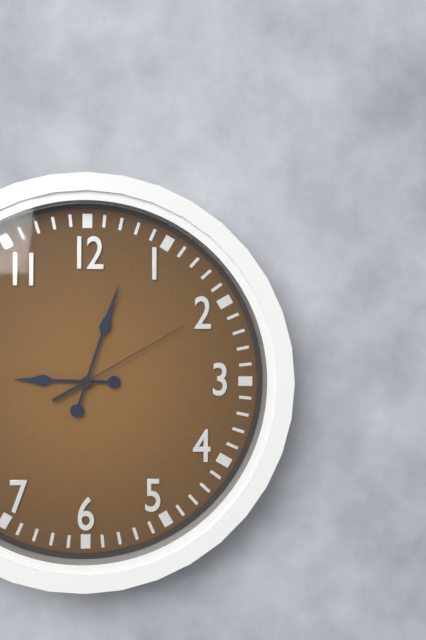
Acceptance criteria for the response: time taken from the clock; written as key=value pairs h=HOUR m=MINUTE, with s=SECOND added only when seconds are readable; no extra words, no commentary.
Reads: h=9 m=3 s=10
